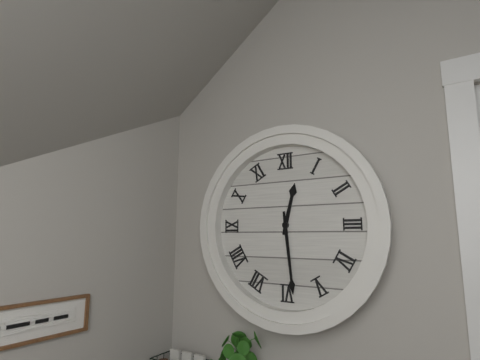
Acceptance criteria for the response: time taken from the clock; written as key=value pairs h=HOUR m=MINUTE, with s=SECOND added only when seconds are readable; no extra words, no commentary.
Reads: h=12 m=29
